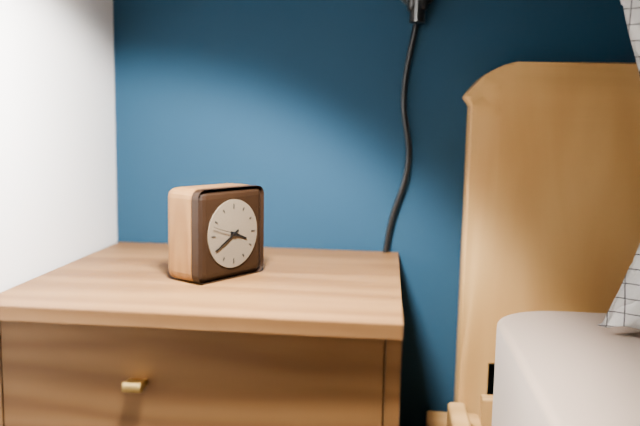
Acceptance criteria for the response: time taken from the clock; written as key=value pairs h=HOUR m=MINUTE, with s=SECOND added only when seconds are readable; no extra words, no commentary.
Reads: h=3 m=40
